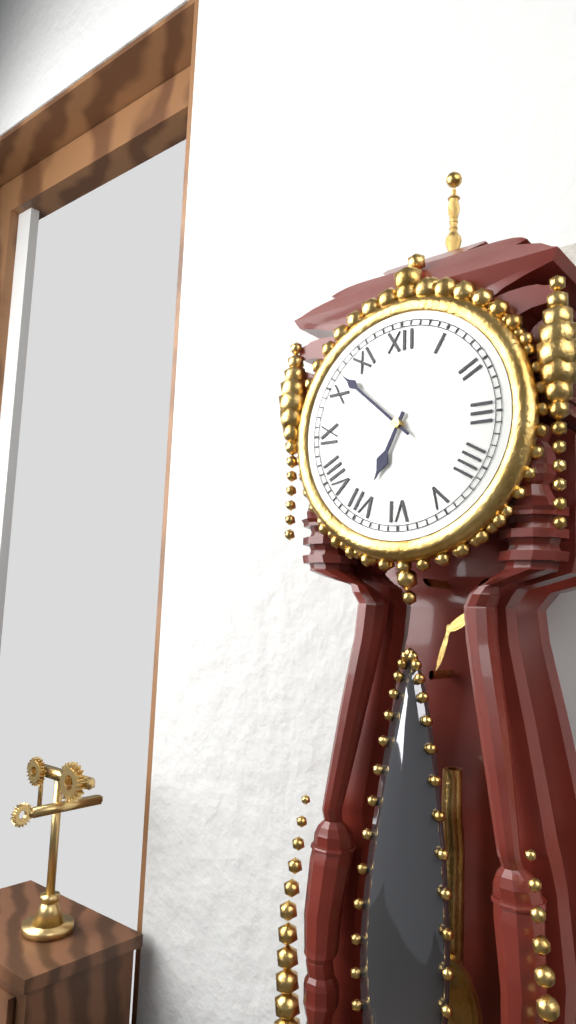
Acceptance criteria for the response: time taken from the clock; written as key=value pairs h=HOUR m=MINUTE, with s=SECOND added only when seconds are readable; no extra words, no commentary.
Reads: h=6 m=52
